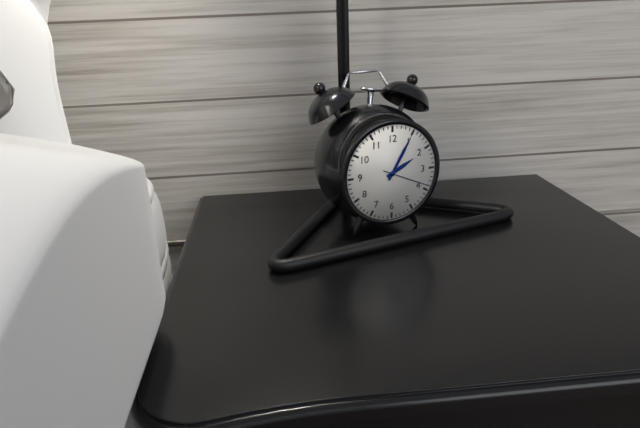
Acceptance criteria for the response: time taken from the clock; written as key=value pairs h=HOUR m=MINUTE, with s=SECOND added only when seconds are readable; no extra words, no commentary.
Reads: h=2 m=5
